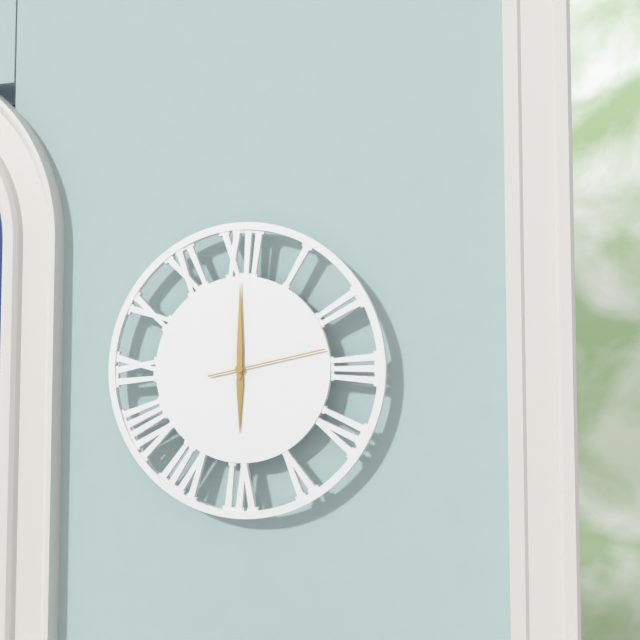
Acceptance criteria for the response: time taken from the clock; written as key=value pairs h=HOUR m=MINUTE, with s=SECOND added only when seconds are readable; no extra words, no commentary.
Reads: h=6 m=0 s=13
